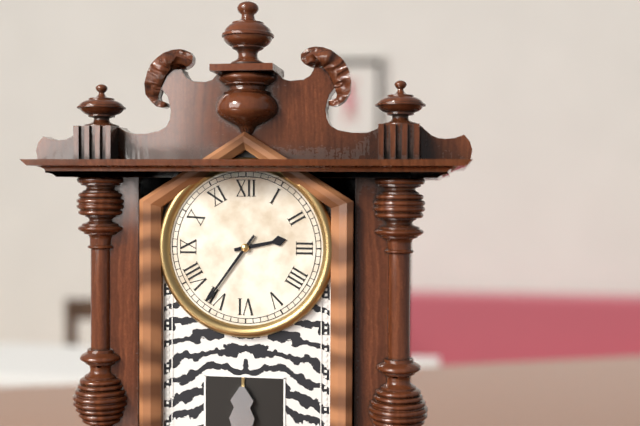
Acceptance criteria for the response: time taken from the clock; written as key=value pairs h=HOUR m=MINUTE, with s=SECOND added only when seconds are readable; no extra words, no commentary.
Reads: h=2 m=36
